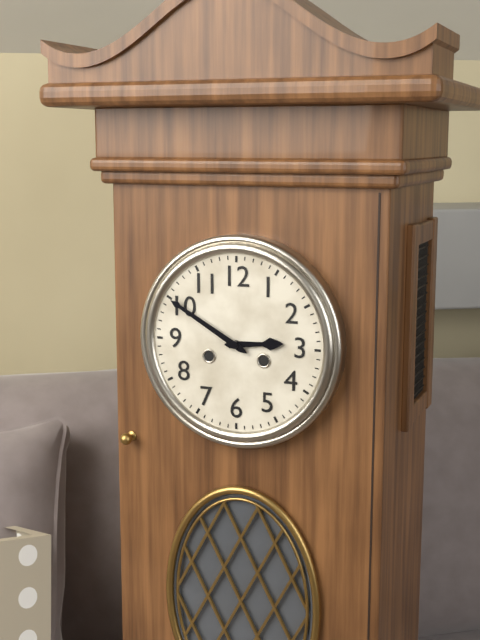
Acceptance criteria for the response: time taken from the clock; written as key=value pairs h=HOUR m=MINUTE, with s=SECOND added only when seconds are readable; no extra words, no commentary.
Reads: h=2 m=50
